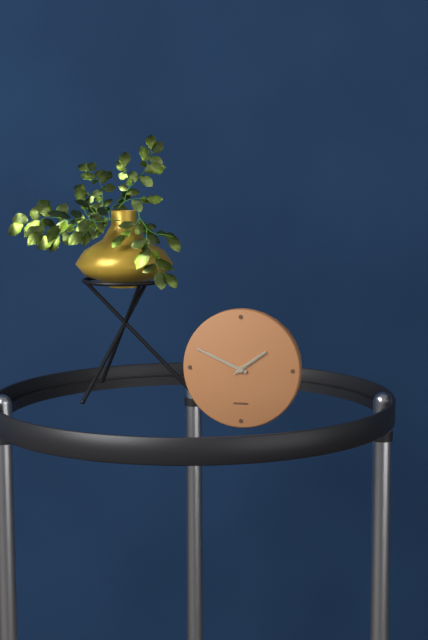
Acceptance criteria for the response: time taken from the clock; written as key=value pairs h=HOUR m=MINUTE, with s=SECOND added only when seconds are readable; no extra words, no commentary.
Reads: h=1 m=49
